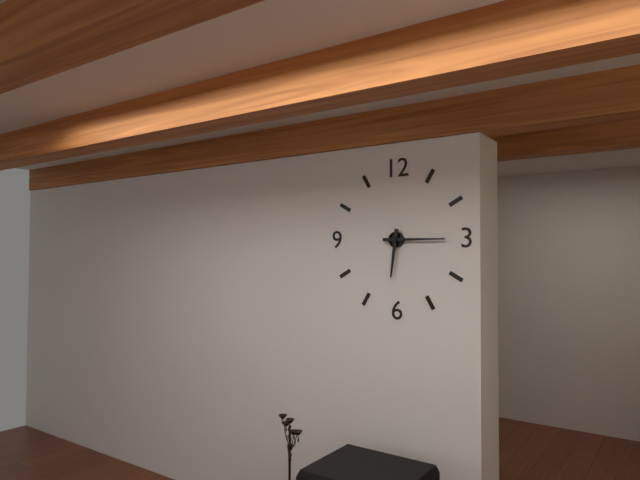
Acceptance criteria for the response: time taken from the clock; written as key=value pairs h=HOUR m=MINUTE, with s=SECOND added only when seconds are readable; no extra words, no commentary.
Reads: h=6 m=15
